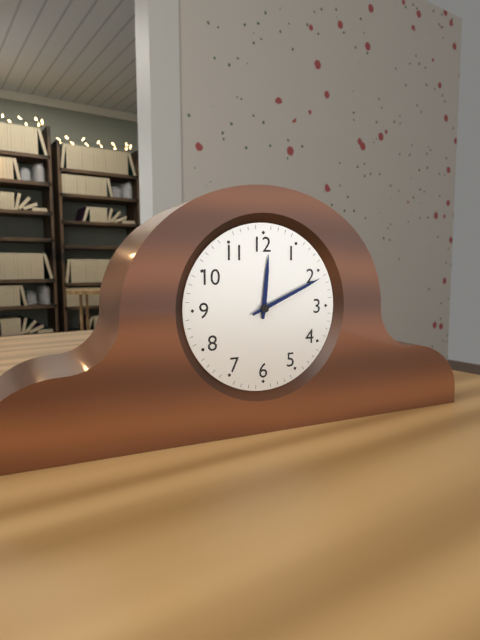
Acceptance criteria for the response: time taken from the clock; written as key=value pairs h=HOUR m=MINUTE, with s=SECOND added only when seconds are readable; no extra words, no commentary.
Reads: h=12 m=11
